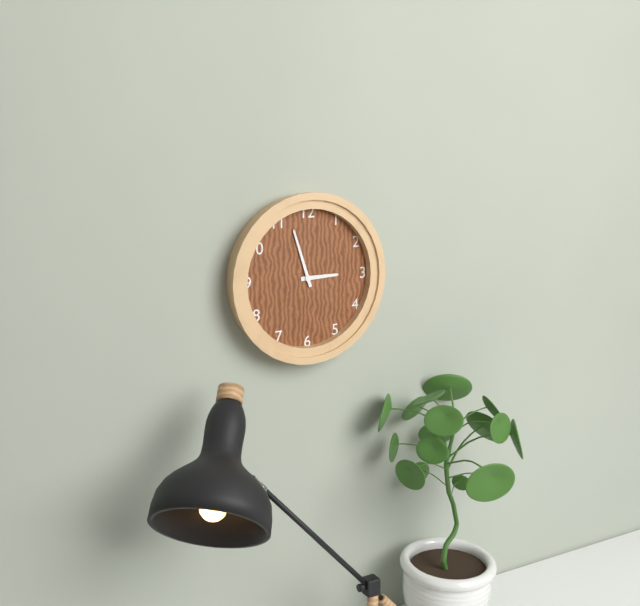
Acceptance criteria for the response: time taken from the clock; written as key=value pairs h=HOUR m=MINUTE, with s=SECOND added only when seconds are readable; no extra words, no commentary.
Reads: h=2 m=57
